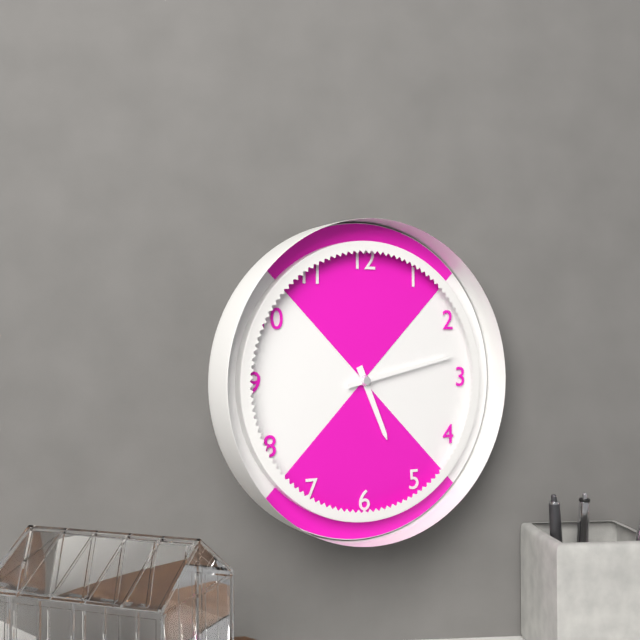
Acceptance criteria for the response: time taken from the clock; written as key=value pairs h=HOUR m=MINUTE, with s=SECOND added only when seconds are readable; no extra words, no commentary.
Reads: h=5 m=13
